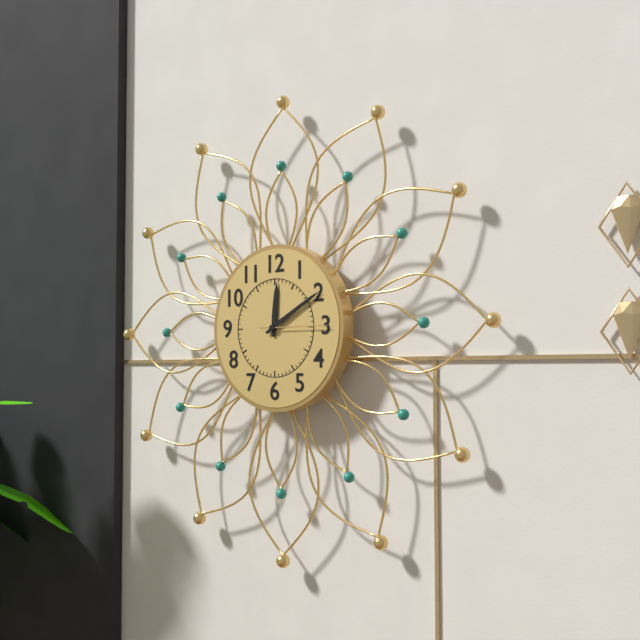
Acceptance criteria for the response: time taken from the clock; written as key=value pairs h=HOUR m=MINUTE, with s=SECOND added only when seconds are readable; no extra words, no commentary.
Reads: h=12 m=10 s=15
